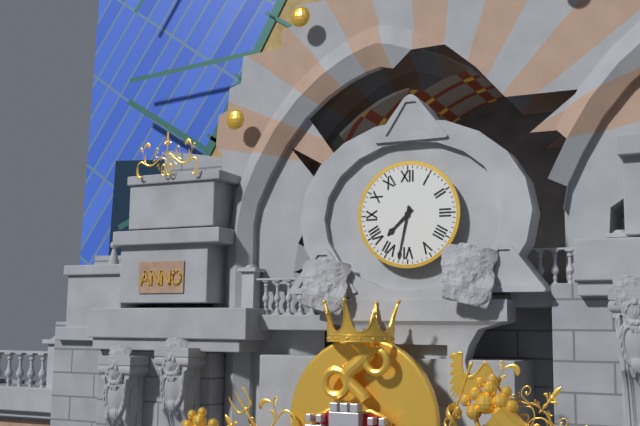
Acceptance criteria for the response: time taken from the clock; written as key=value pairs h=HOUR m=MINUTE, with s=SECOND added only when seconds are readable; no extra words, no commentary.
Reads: h=7 m=32
